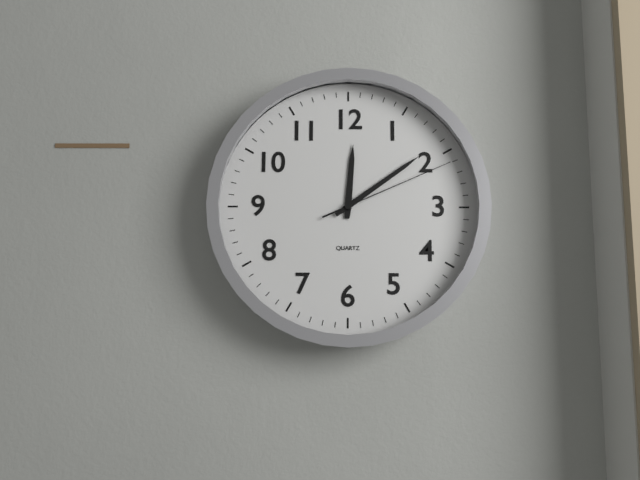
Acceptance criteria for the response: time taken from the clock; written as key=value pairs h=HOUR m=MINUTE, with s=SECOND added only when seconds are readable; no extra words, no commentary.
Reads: h=12 m=9 s=11
